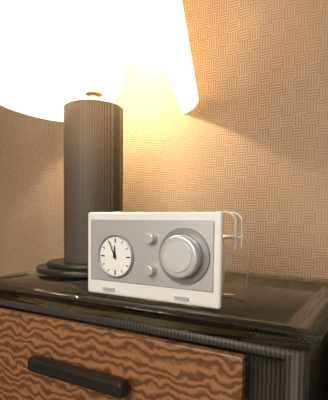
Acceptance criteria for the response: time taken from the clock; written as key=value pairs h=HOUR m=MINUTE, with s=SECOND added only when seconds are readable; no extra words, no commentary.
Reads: h=11 m=56
